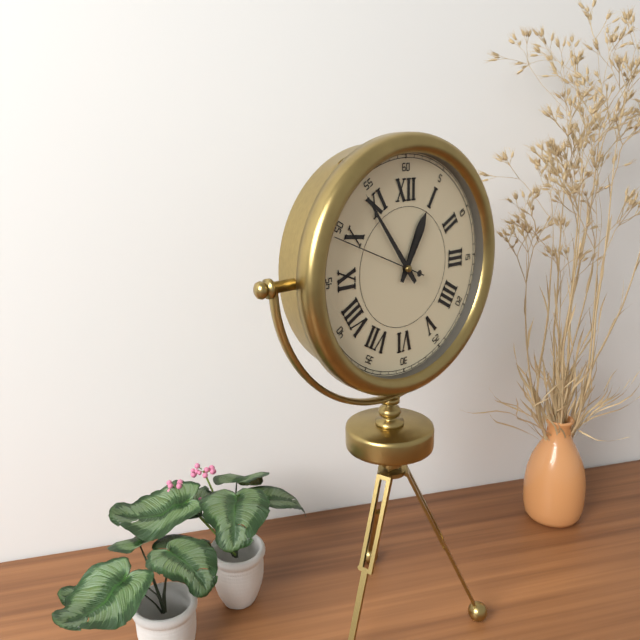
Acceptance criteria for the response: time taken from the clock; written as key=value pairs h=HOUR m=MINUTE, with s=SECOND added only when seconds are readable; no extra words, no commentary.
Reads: h=12 m=54 s=49
